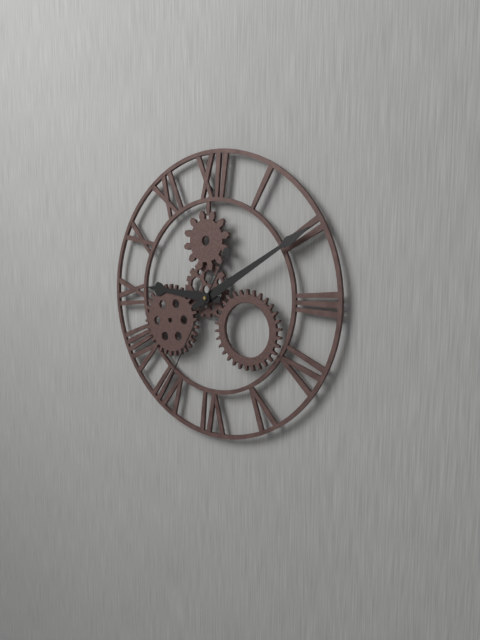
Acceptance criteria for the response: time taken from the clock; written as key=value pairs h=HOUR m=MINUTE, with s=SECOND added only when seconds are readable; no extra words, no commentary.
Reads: h=9 m=10 s=35
